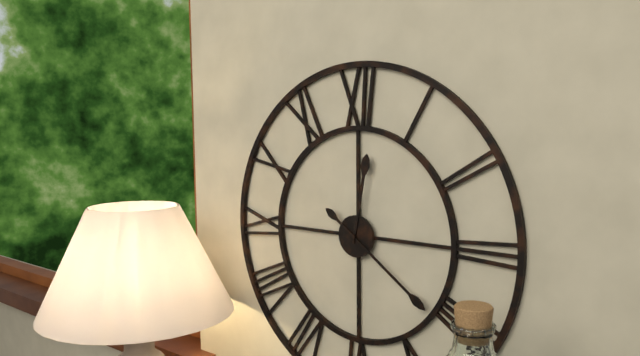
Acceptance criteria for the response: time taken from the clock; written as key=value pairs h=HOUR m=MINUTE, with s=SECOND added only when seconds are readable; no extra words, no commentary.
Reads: h=12 m=21
